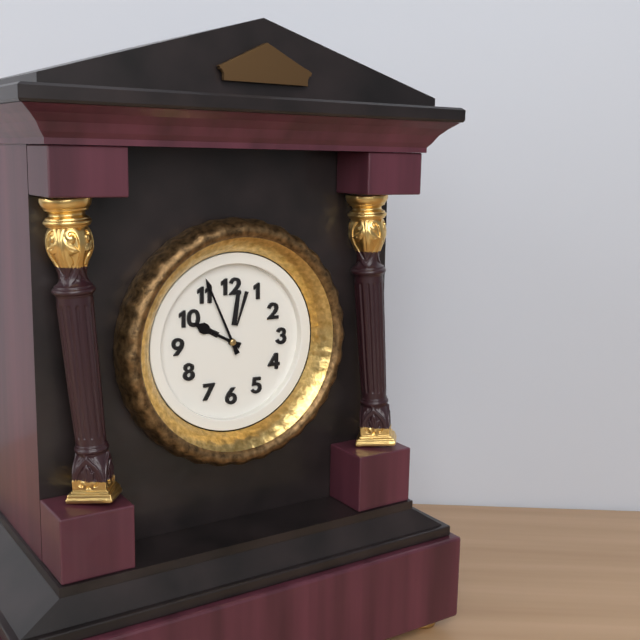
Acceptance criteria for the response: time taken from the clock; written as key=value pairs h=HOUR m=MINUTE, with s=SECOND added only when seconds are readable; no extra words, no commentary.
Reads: h=9 m=56
